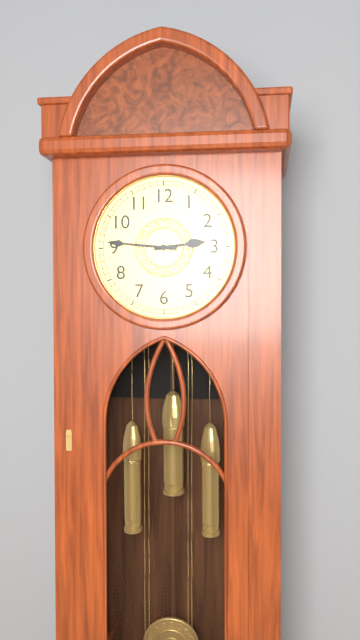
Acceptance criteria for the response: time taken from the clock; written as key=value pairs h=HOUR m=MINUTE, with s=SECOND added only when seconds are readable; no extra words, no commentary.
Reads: h=2 m=46
